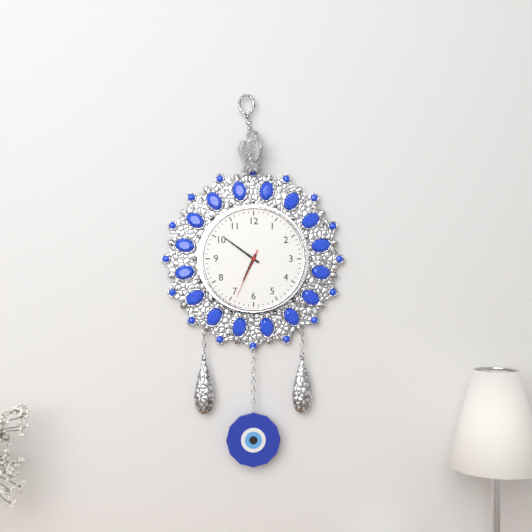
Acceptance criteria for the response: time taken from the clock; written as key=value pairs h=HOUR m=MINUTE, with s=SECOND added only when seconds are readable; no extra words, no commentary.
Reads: h=6 m=51 s=34
